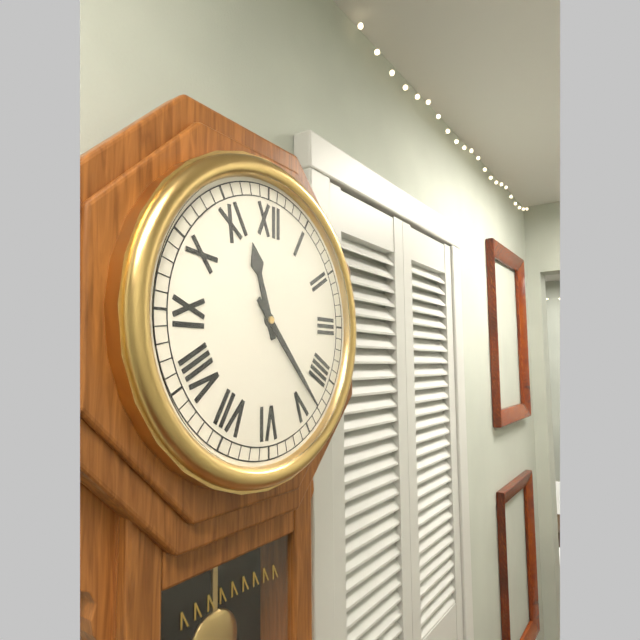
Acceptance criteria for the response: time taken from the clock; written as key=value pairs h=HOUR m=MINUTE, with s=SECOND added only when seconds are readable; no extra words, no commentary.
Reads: h=11 m=23
